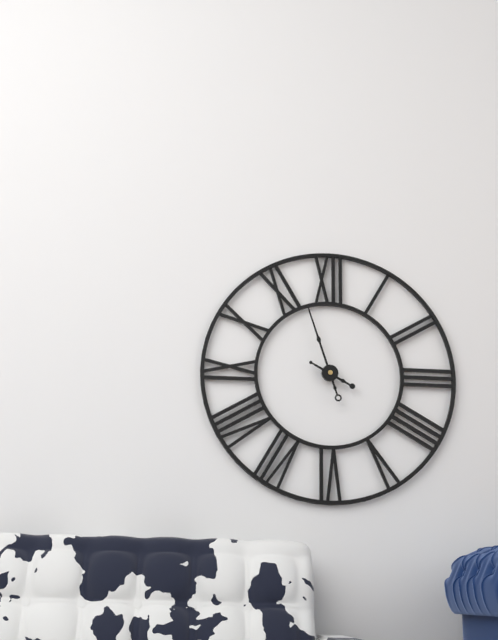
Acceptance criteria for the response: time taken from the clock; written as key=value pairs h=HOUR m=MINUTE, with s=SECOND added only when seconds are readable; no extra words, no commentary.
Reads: h=3 m=57
